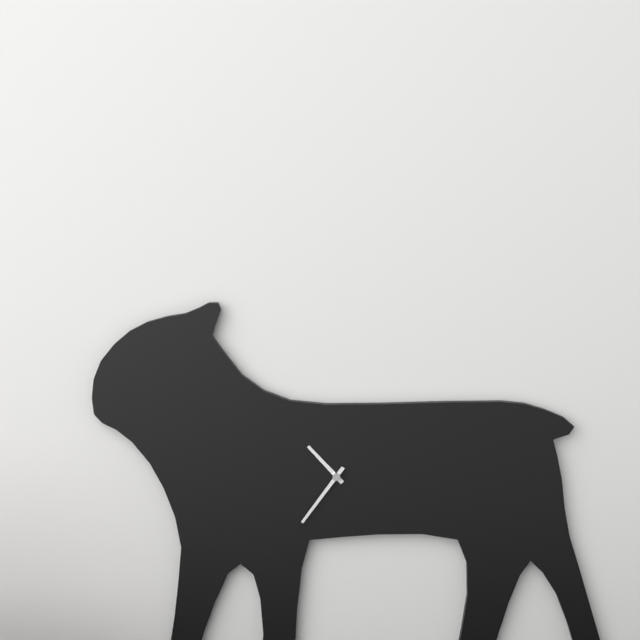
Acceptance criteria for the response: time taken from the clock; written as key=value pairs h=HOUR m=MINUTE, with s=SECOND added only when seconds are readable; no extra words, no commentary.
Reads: h=10 m=36
